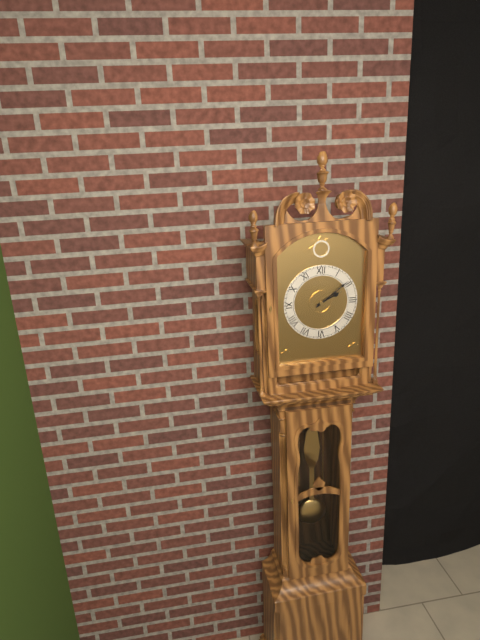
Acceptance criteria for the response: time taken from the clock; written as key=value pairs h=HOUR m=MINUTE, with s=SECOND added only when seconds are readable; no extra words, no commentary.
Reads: h=2 m=9
